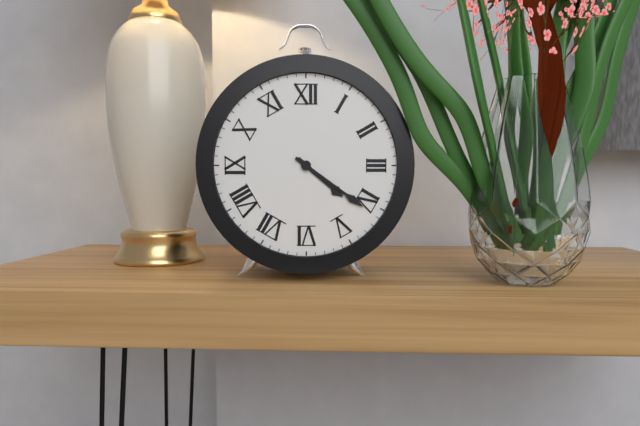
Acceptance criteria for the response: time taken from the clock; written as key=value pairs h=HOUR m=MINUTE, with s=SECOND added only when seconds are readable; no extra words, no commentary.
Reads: h=4 m=21
